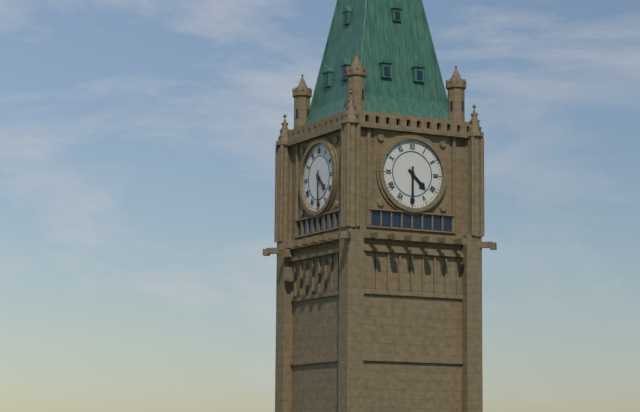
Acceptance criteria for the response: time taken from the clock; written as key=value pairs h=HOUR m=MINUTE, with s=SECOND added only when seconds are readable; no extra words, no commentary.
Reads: h=4 m=30
